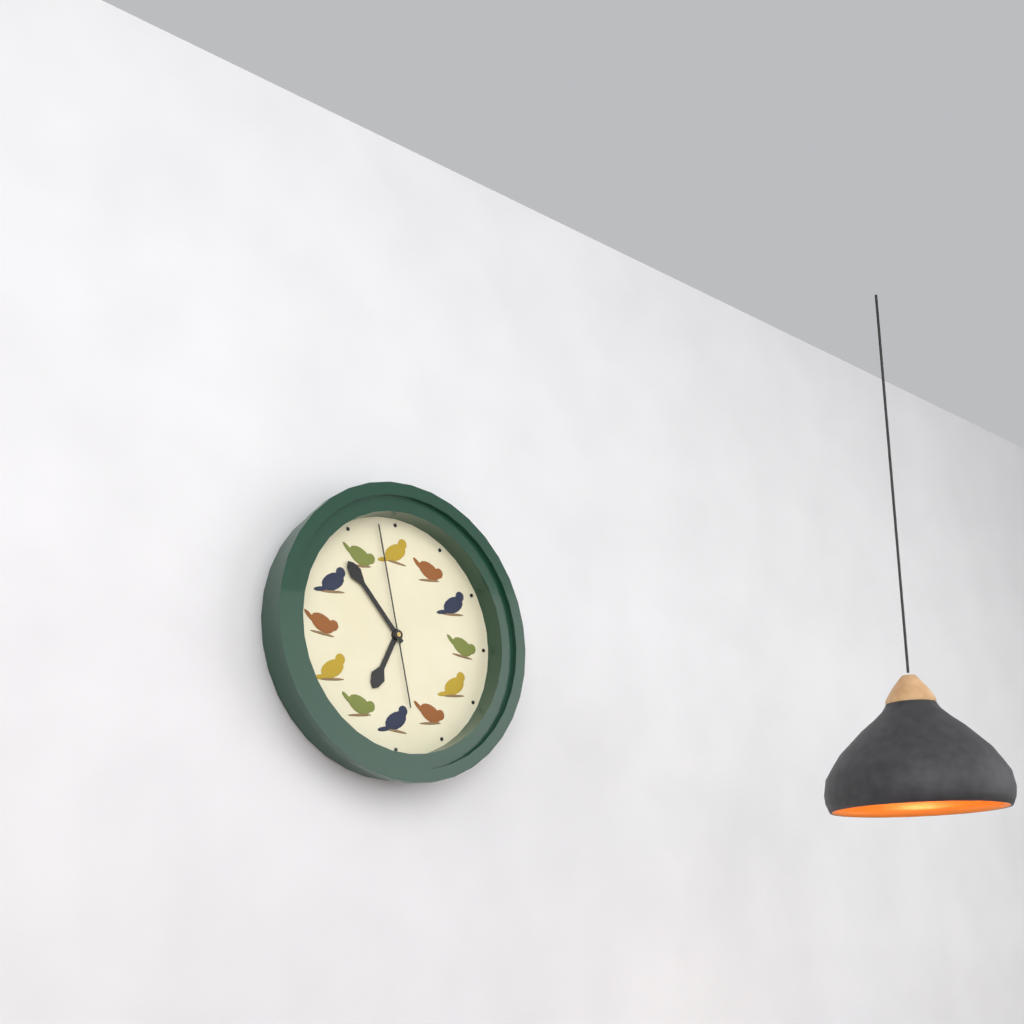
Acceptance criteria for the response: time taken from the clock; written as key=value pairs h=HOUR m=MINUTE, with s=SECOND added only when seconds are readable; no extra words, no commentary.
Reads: h=6 m=53 s=58
